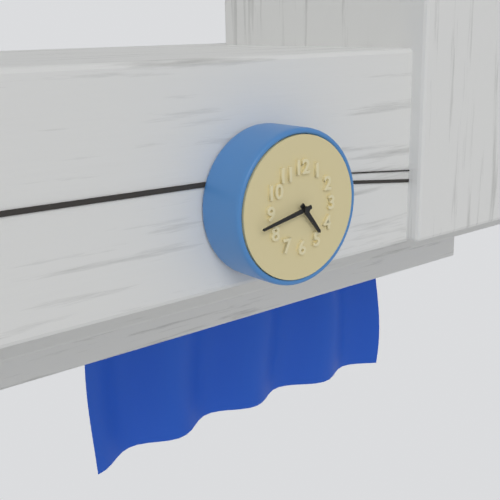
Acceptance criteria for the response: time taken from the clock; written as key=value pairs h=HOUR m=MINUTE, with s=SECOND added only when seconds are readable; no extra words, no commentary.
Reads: h=4 m=43
